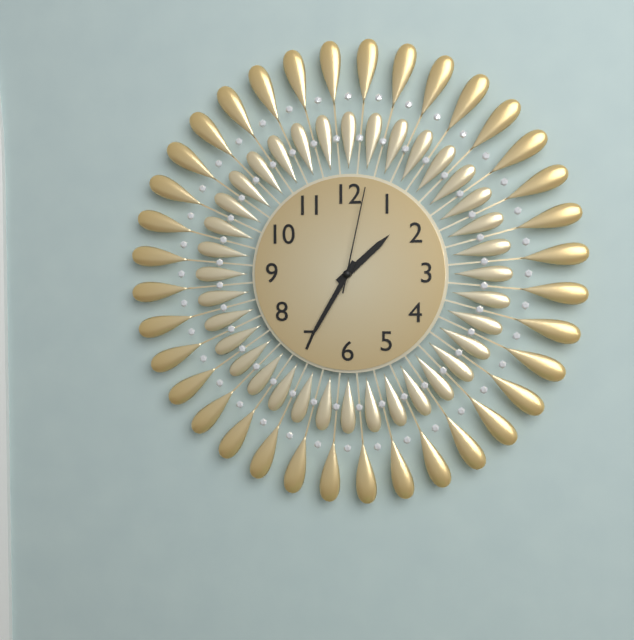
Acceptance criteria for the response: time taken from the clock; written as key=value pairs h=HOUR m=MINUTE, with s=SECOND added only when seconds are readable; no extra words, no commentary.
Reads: h=1 m=35 s=2
